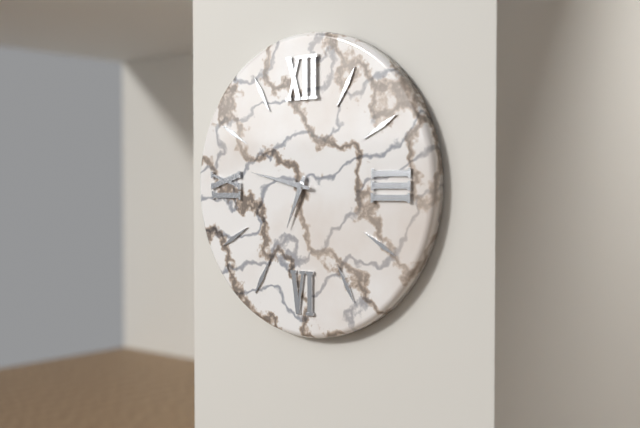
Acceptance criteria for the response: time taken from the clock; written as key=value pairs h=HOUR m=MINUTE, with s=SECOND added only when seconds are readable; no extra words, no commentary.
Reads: h=6 m=47
